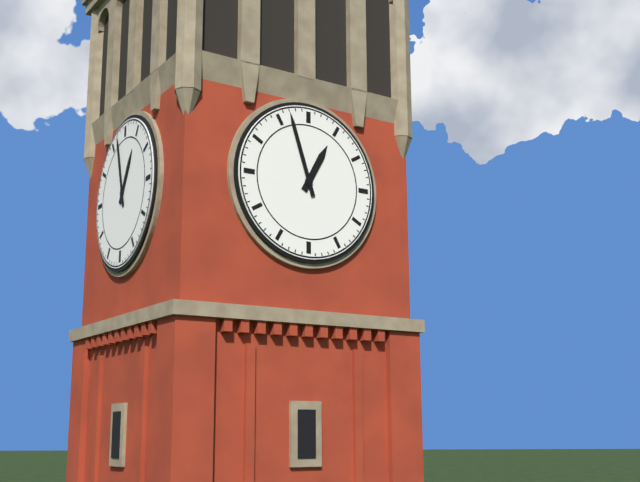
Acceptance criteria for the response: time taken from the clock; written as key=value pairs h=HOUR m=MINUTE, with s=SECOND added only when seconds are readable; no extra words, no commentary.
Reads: h=12 m=57
